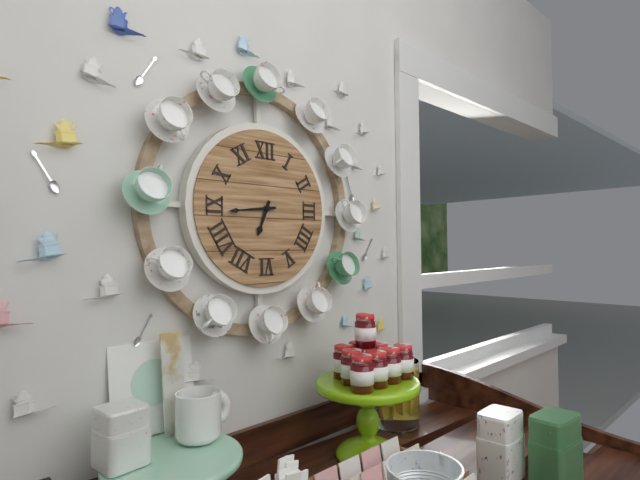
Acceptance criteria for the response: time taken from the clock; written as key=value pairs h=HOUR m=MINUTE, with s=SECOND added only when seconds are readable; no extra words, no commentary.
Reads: h=6 m=44
